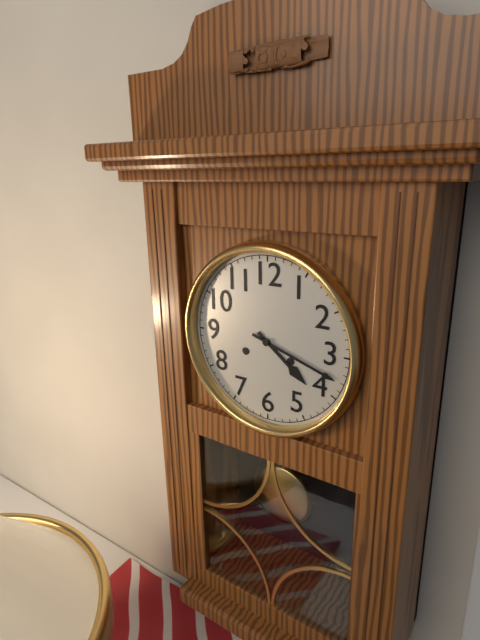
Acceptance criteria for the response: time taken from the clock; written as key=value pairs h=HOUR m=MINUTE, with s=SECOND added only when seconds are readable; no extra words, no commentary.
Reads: h=4 m=18
